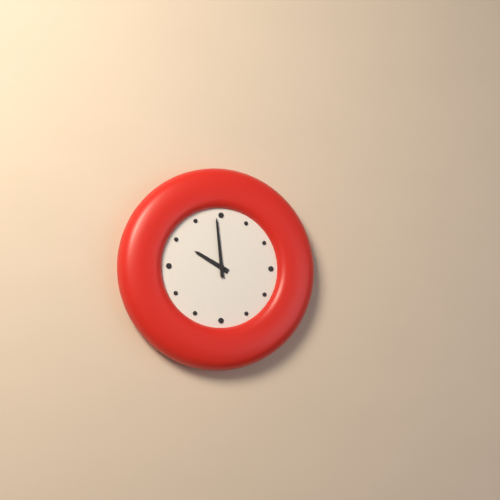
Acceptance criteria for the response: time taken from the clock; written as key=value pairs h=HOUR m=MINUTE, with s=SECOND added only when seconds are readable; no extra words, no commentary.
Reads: h=9 m=59
